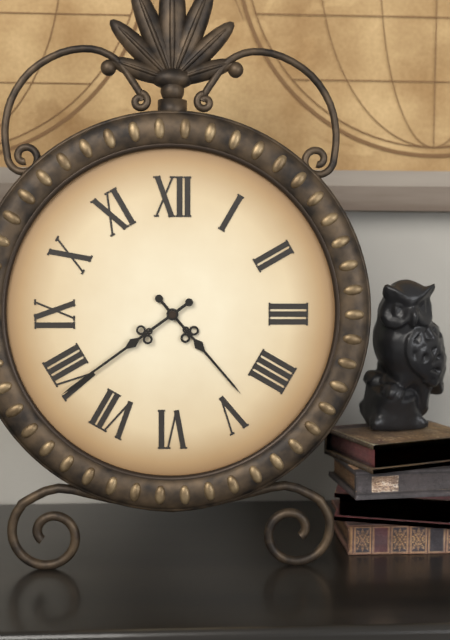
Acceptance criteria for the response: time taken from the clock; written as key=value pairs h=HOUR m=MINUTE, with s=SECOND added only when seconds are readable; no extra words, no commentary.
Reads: h=4 m=39
